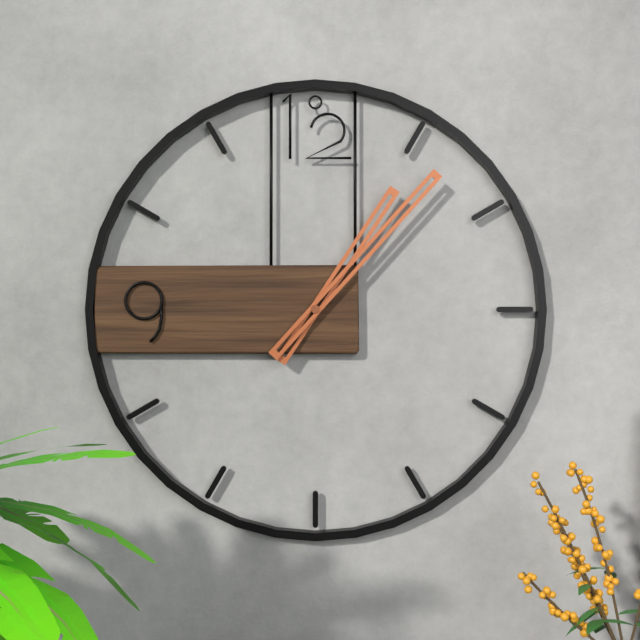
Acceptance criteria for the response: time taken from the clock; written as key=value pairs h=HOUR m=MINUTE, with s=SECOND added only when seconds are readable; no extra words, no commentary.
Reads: h=1 m=7
